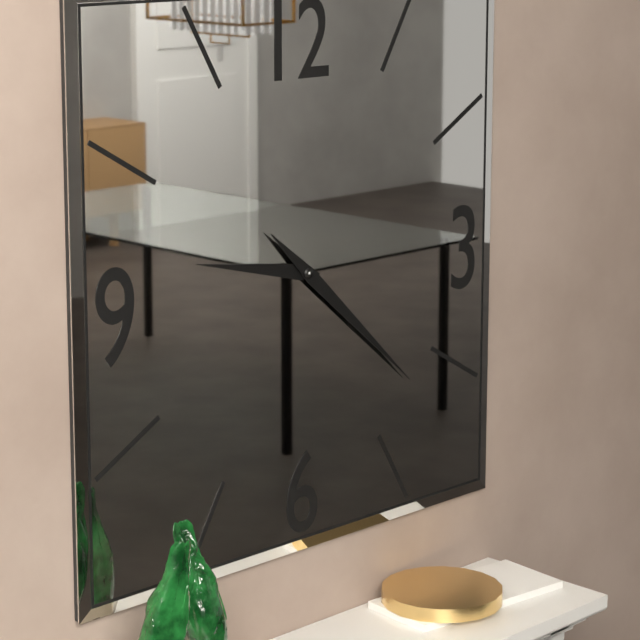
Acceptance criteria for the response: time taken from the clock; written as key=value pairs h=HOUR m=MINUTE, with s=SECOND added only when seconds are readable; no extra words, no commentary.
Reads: h=9 m=22
